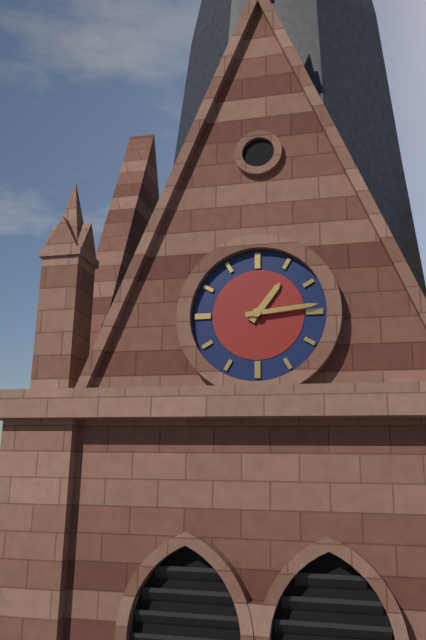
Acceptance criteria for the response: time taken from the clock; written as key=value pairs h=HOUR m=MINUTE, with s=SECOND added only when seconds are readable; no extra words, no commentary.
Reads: h=1 m=14
